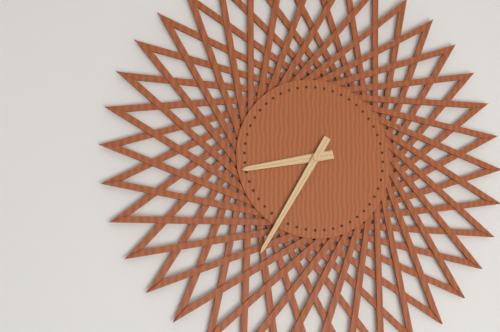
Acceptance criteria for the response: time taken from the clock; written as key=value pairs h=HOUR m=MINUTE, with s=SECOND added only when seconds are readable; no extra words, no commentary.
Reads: h=8 m=35
